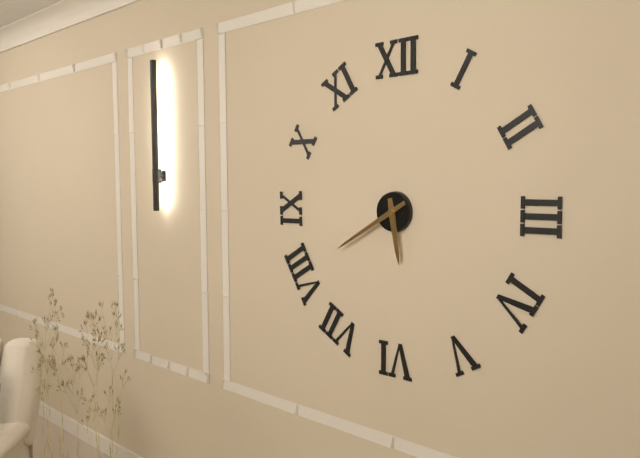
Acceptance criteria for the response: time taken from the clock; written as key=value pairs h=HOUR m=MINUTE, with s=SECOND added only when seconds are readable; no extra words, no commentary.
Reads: h=5 m=40
